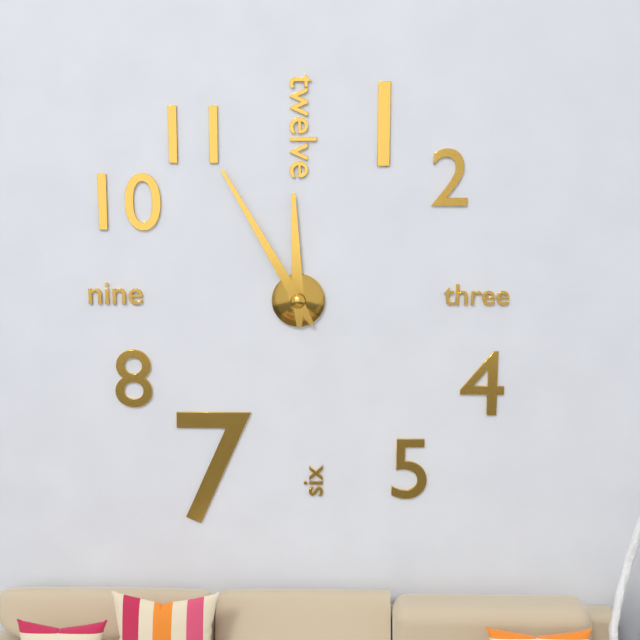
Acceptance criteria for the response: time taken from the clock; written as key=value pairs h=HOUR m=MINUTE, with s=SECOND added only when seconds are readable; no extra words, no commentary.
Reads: h=11 m=55
